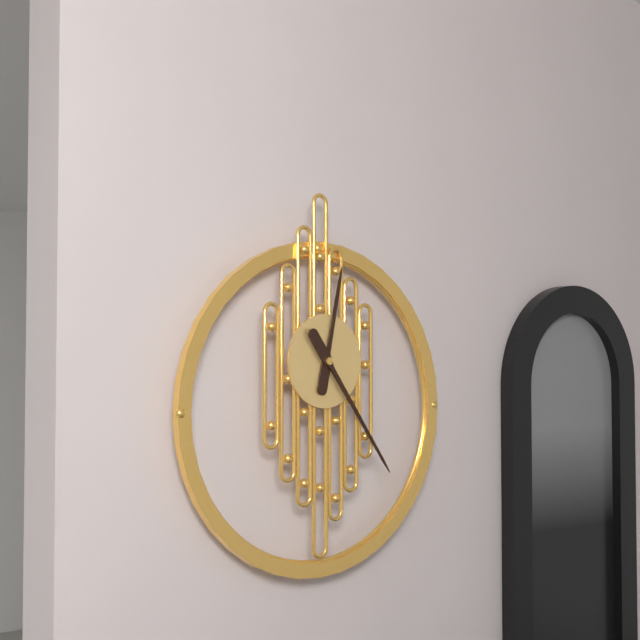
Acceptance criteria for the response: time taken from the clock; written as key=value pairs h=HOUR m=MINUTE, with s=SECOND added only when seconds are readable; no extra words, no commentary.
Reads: h=12 m=24
